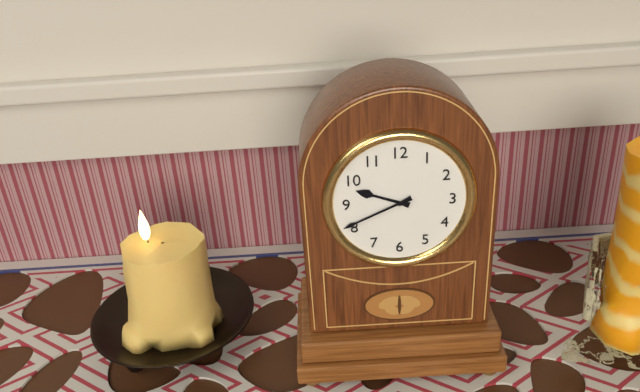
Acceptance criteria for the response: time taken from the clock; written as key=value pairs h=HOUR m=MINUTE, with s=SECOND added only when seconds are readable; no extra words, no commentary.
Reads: h=9 m=41
